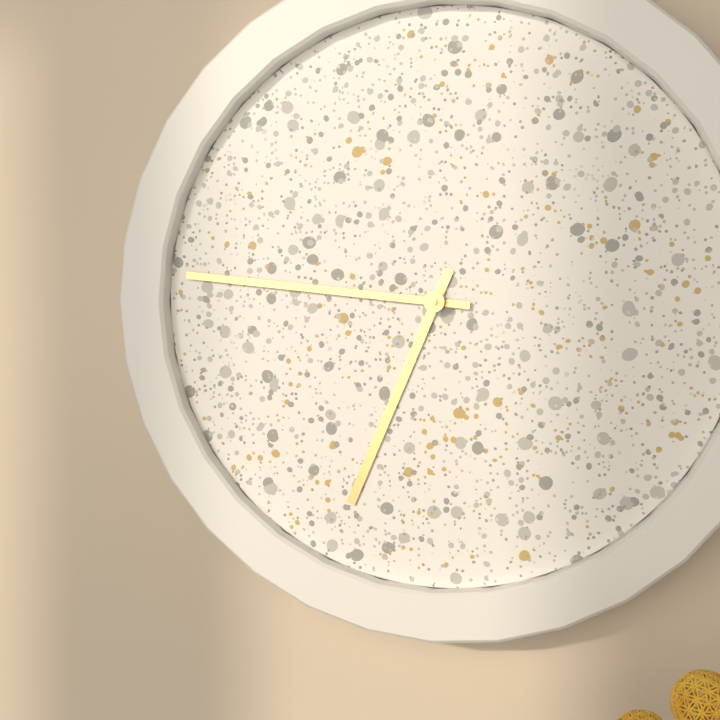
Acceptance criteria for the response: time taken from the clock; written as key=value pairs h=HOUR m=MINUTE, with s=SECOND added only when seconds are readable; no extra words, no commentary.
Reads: h=6 m=46
